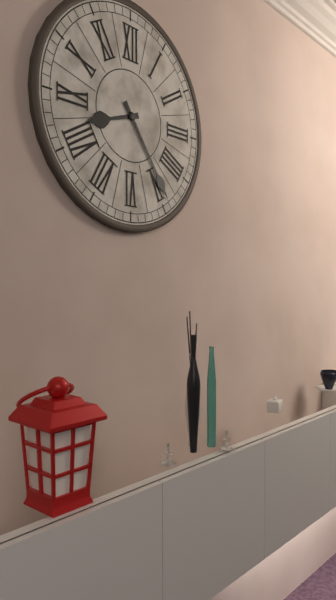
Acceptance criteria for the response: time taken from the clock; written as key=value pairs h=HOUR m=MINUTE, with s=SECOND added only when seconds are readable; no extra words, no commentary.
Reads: h=8 m=24
